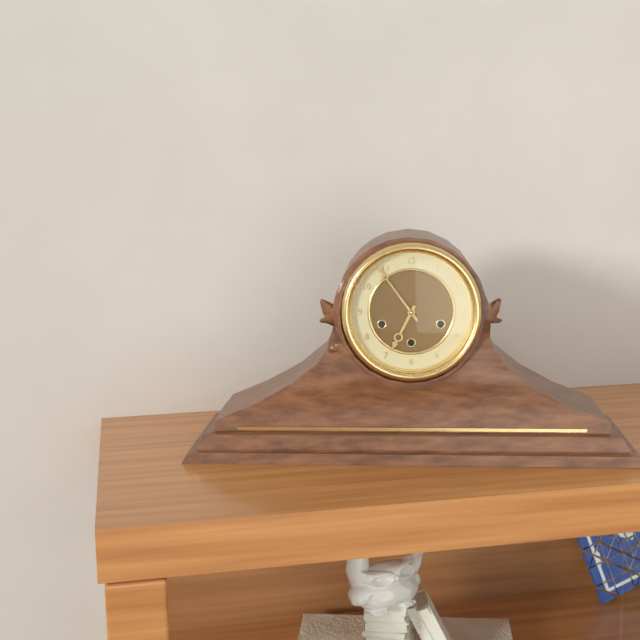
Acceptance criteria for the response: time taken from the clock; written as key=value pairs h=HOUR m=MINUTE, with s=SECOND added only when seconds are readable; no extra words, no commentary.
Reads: h=6 m=54
